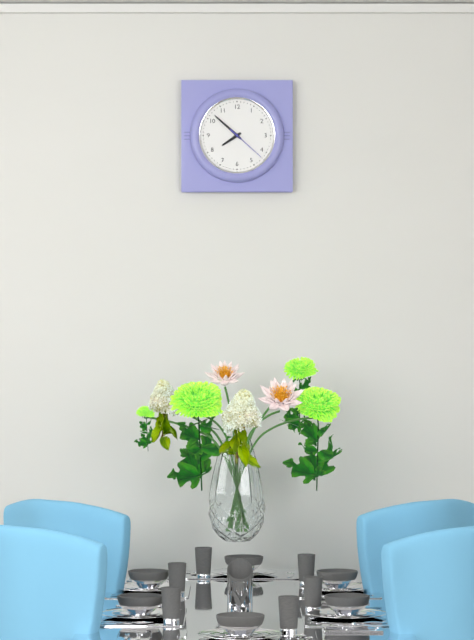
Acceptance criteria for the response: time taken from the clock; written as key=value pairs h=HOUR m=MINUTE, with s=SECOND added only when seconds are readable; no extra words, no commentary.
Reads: h=7 m=52
